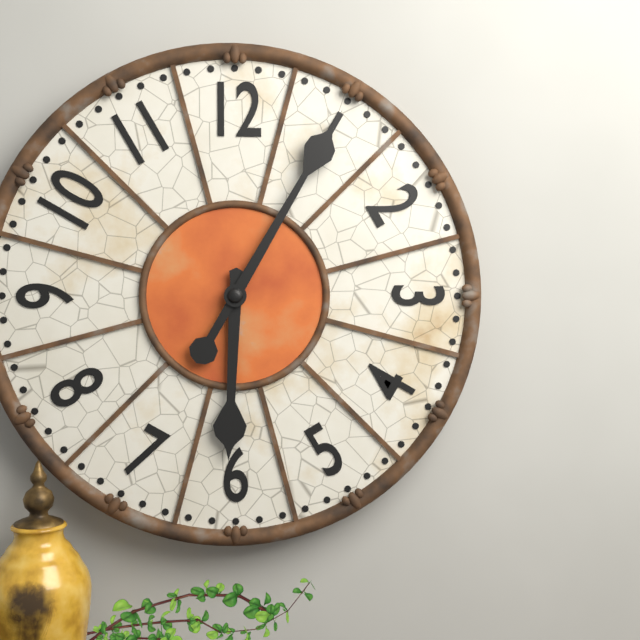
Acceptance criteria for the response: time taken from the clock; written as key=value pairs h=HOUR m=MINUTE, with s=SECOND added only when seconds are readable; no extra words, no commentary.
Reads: h=6 m=5
